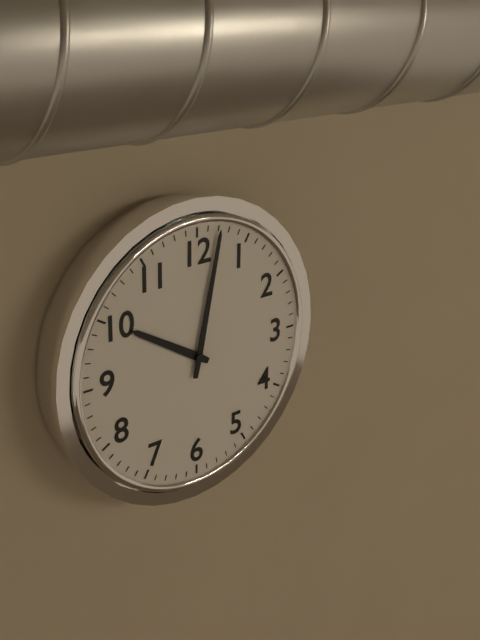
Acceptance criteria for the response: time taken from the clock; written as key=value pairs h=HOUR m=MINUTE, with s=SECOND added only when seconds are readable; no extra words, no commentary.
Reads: h=10 m=2
